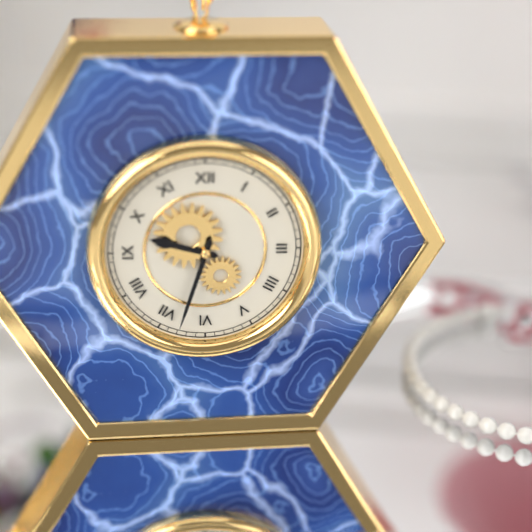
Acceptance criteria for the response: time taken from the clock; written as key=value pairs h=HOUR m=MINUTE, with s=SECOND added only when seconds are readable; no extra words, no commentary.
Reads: h=9 m=33
